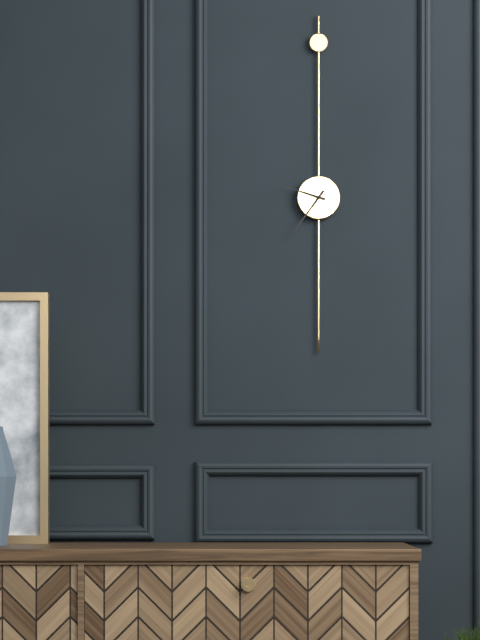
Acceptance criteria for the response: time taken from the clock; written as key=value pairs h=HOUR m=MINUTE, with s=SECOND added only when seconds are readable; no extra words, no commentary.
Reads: h=9 m=36
